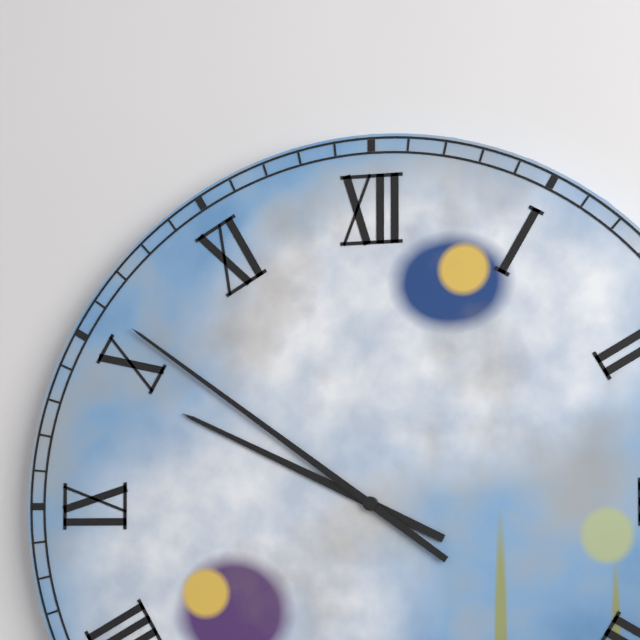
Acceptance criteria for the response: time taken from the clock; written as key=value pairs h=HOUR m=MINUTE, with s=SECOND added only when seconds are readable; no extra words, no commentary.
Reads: h=9 m=51
